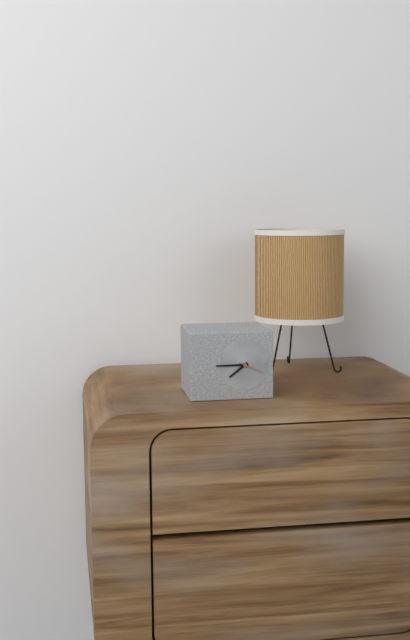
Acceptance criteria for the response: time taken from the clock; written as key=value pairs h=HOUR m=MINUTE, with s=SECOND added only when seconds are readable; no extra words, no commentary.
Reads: h=7 m=45
